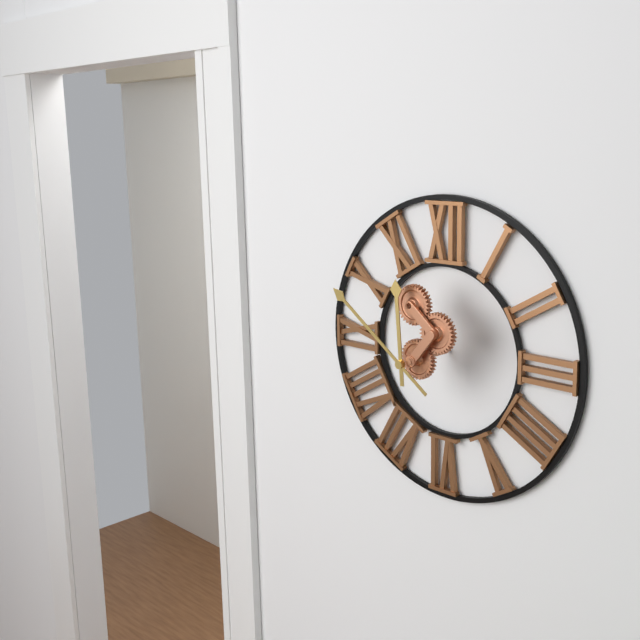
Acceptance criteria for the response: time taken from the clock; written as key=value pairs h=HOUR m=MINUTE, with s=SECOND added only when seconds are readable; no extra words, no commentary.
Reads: h=11 m=51
